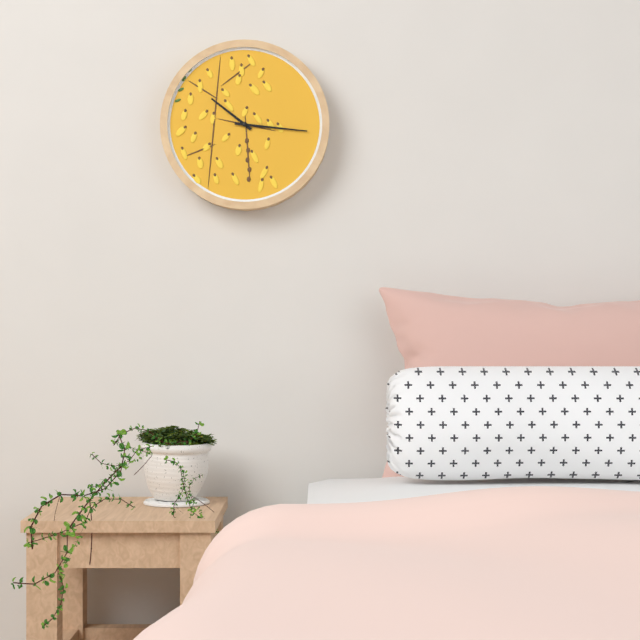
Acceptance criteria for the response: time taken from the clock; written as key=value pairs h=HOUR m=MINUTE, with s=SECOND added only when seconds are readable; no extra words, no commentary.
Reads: h=10 m=16
